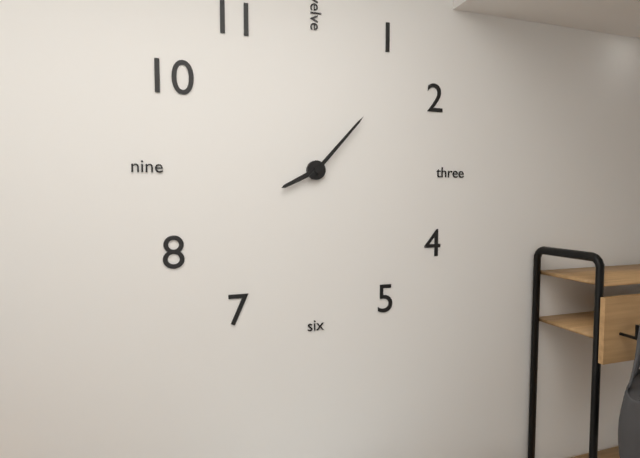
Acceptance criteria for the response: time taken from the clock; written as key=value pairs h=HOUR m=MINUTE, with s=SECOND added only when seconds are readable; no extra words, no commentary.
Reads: h=8 m=7
